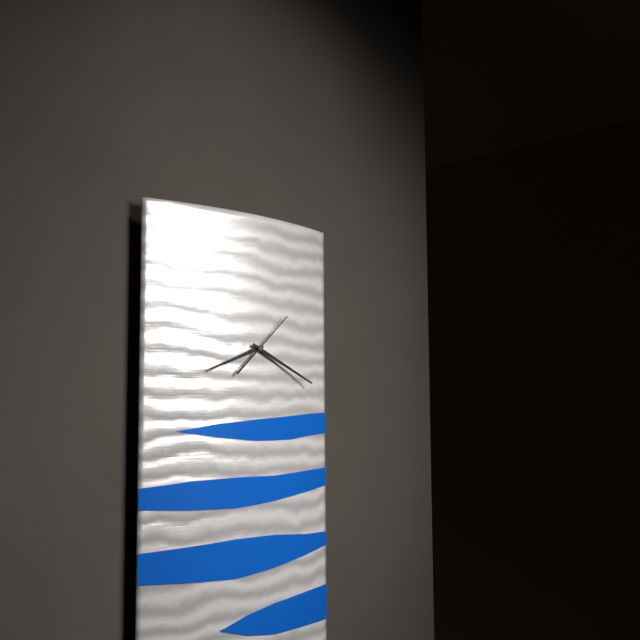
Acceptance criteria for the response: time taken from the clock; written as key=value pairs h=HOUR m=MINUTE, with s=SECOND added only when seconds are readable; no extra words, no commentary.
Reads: h=8 m=19 s=8
